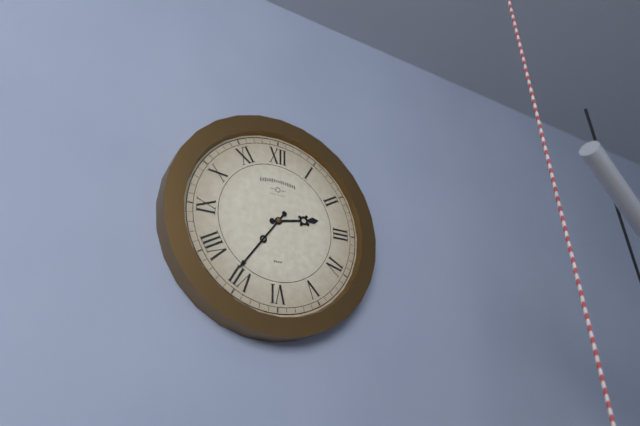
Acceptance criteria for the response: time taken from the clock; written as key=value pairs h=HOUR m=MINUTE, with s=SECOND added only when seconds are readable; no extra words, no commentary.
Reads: h=2 m=36
